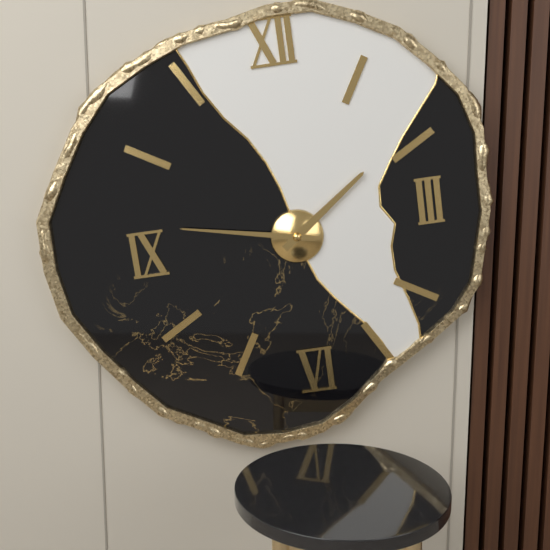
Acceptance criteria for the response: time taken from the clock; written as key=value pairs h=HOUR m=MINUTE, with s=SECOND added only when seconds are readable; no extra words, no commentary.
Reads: h=1 m=47
